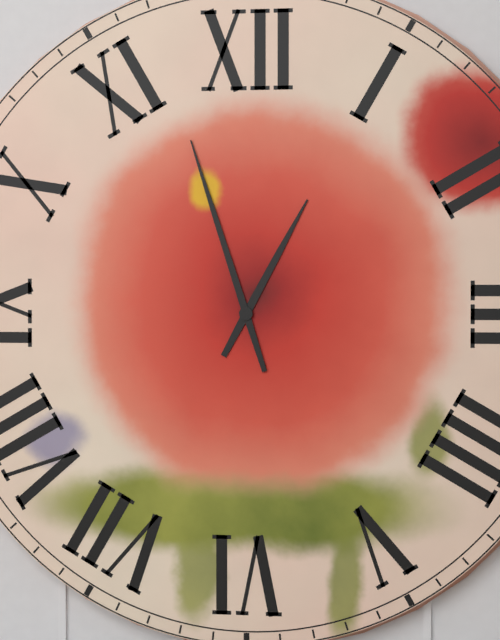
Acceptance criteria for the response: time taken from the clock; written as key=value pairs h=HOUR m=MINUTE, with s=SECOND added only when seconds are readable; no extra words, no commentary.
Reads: h=12 m=57
